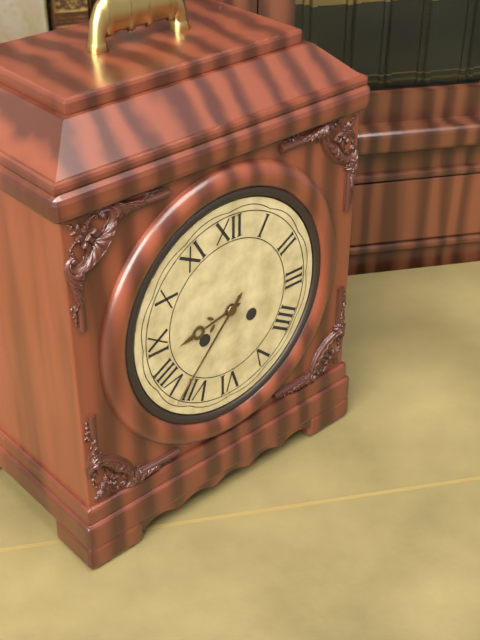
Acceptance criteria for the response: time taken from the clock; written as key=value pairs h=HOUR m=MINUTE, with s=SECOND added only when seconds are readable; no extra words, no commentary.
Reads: h=8 m=37
